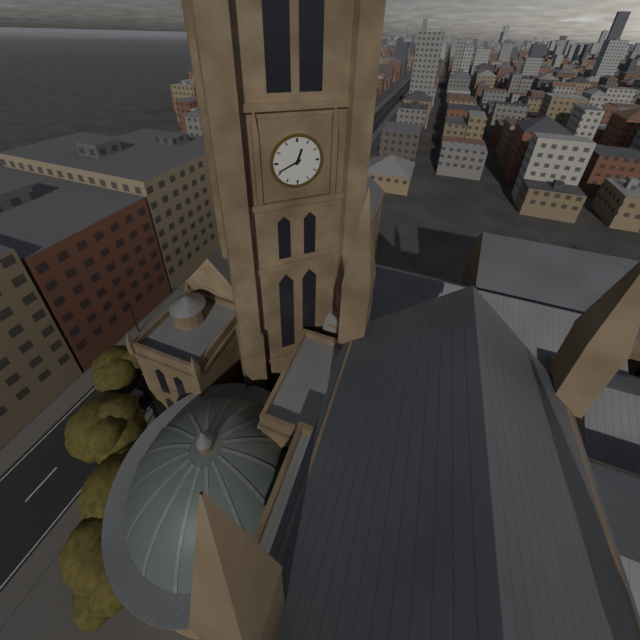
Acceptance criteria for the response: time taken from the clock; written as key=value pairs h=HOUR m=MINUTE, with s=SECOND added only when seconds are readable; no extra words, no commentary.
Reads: h=12 m=41
